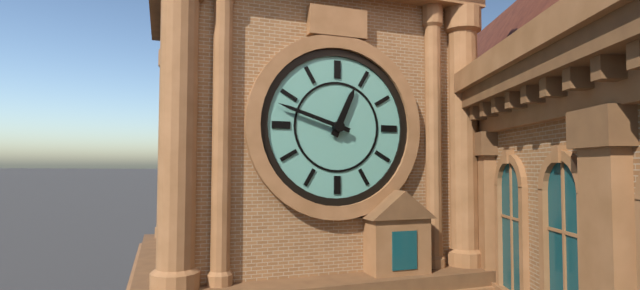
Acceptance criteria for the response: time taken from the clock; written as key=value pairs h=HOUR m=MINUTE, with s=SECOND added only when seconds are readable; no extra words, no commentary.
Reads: h=12 m=48
